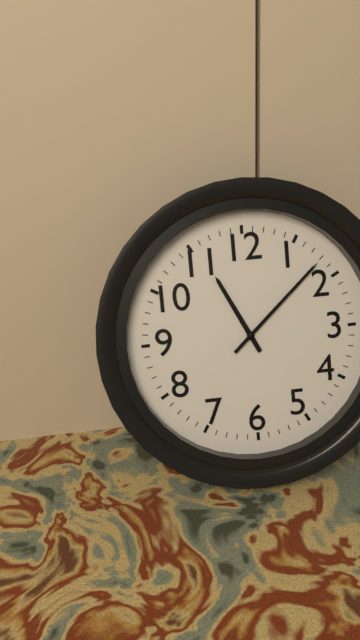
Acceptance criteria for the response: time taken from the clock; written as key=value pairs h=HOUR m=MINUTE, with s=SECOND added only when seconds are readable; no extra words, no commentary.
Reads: h=11 m=8
